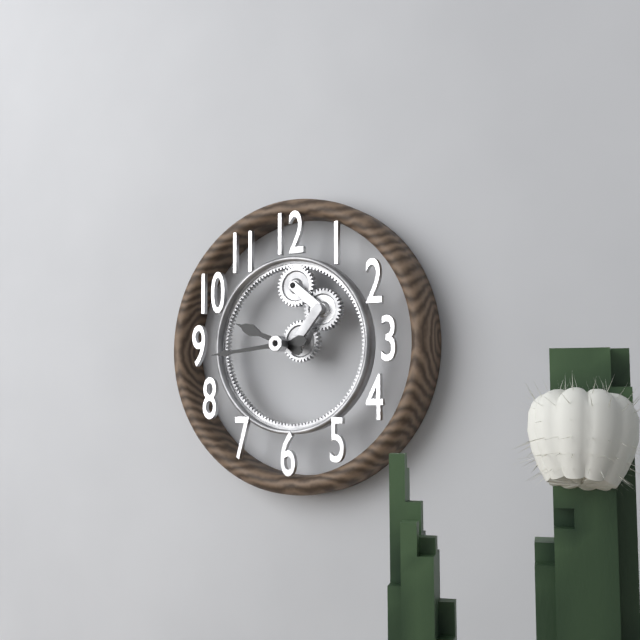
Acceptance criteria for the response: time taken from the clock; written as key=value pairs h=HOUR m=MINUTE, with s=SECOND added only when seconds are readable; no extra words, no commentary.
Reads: h=9 m=44
